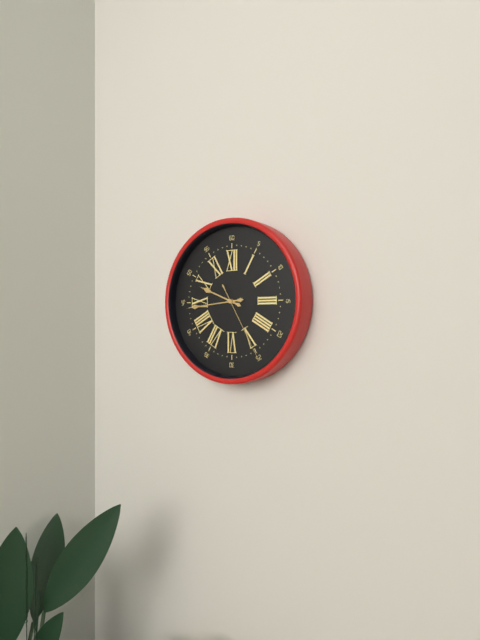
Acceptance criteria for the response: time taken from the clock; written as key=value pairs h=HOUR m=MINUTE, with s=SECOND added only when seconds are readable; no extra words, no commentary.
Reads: h=9 m=44 s=25
